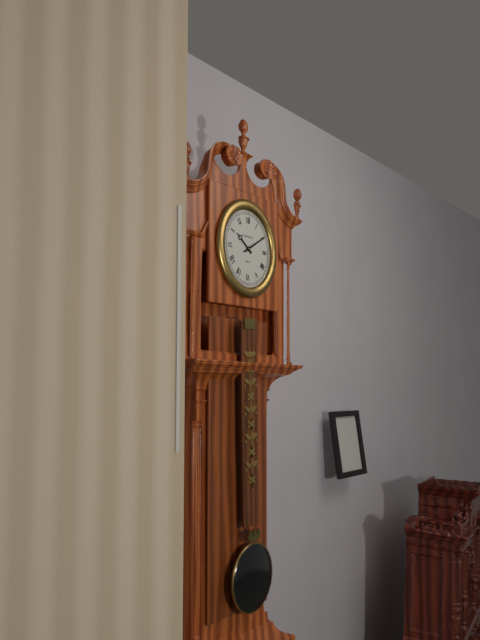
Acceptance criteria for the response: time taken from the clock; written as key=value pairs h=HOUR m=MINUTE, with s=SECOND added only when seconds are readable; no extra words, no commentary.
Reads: h=10 m=10
